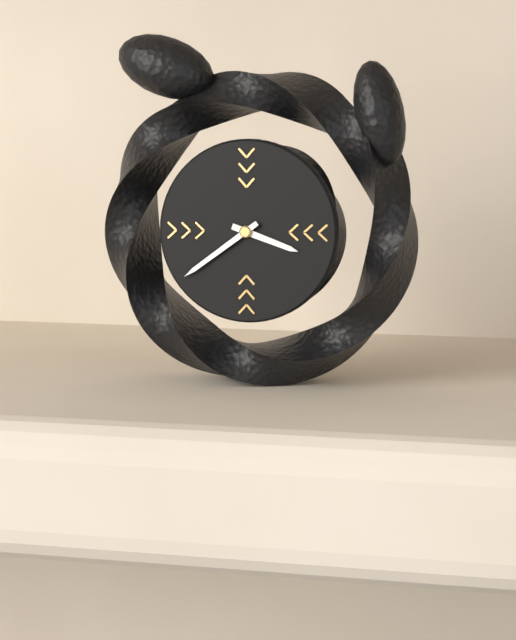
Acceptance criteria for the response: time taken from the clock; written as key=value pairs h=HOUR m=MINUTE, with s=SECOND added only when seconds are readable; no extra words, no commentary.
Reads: h=3 m=39
